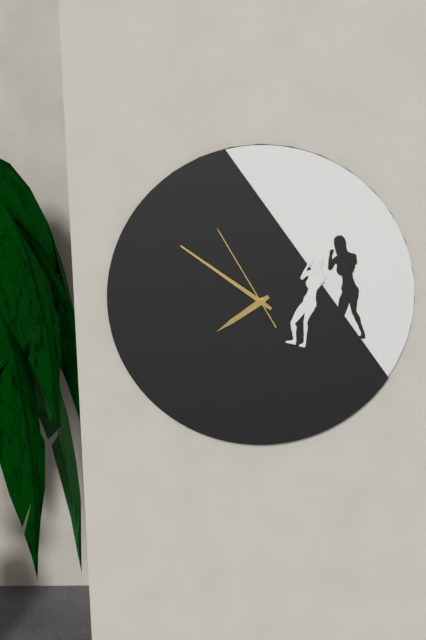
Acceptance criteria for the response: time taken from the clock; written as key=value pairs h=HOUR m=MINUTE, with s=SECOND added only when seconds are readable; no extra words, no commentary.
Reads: h=7 m=51 s=55
